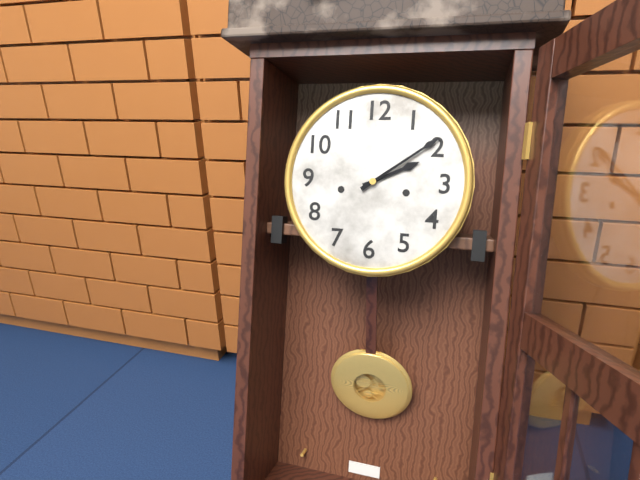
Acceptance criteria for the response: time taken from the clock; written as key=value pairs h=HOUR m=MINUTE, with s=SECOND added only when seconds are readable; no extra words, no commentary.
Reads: h=2 m=9
